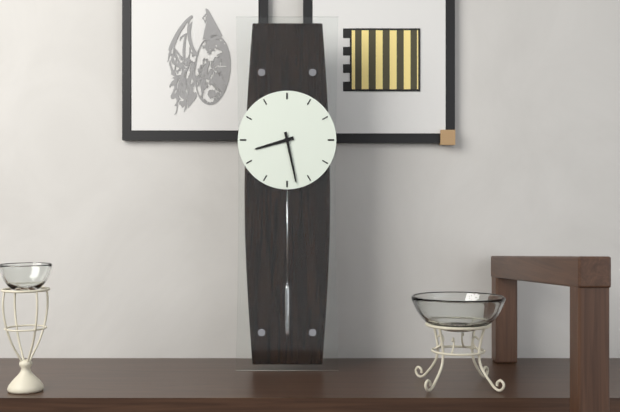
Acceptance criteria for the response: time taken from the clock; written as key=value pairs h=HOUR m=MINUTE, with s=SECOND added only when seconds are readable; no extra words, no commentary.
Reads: h=8 m=28
